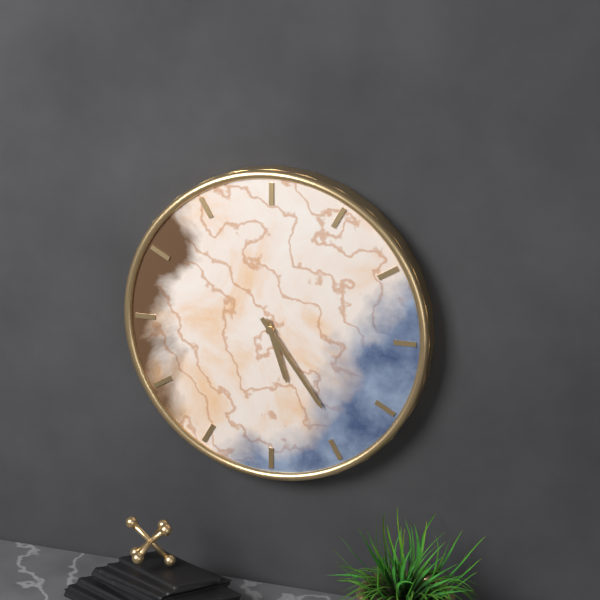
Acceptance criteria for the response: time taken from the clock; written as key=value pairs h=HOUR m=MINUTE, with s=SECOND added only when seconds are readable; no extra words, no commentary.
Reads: h=5 m=24
